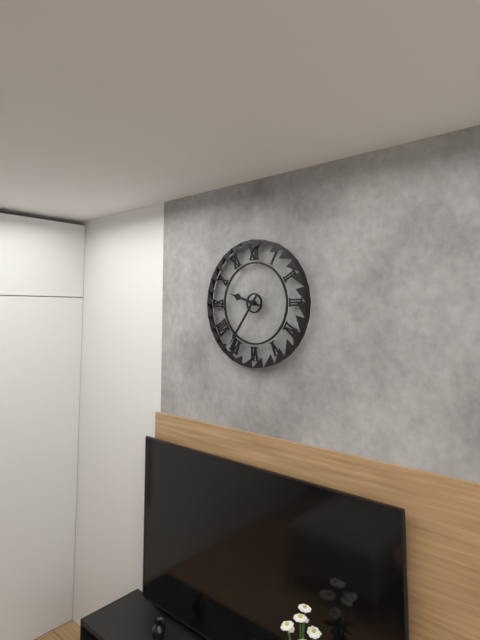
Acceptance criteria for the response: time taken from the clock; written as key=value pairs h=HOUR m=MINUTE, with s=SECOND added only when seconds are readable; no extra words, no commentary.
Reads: h=9 m=36
